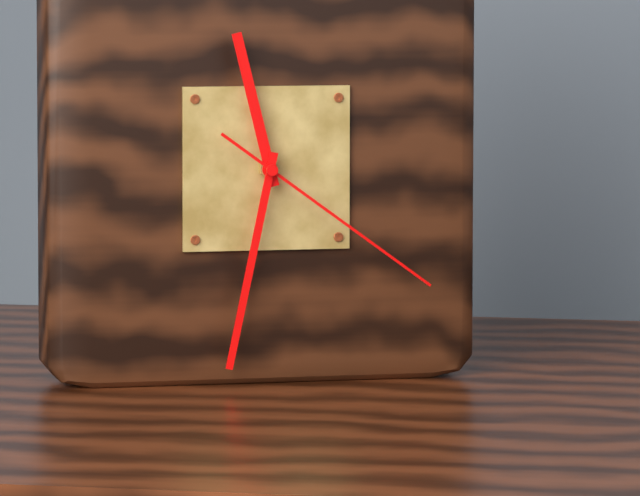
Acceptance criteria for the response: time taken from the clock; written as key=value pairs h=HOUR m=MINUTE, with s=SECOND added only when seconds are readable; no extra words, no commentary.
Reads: h=11 m=32 s=21
